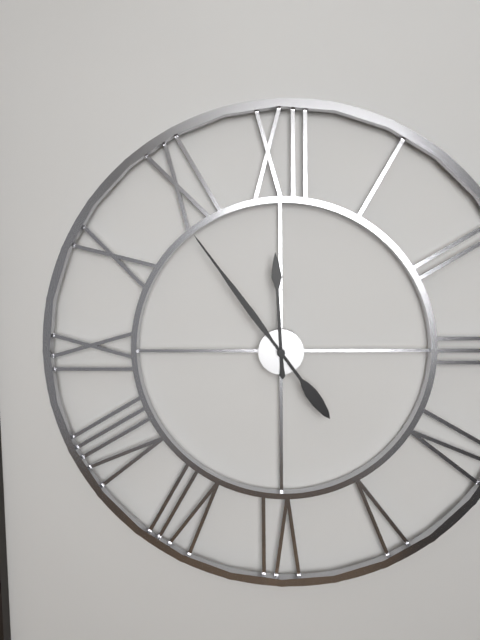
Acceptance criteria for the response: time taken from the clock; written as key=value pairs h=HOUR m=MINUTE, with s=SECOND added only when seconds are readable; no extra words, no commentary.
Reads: h=11 m=54
